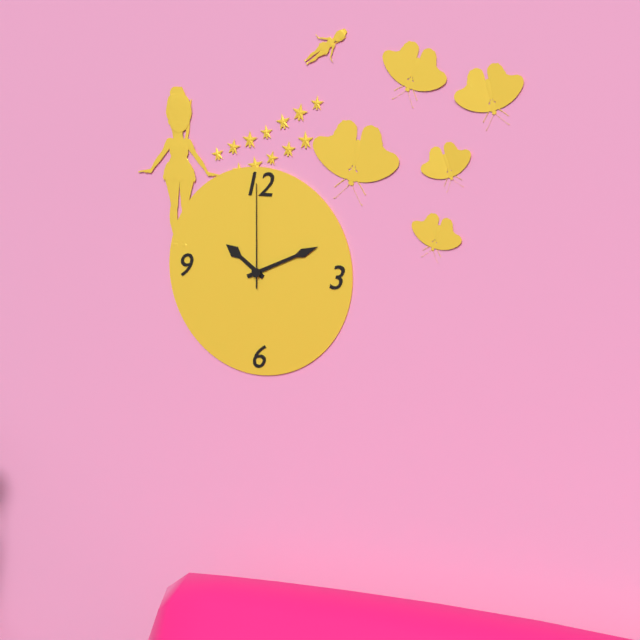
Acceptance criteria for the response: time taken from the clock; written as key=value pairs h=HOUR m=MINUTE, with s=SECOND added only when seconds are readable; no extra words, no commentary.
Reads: h=10 m=11 s=0
